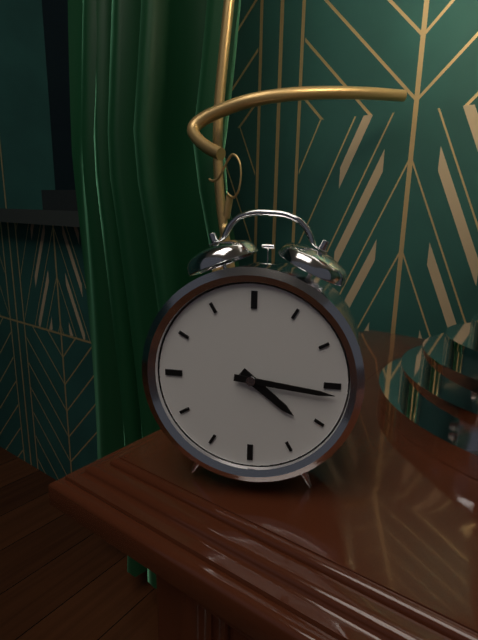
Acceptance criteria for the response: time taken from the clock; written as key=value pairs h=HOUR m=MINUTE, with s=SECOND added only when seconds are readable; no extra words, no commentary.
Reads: h=4 m=16
